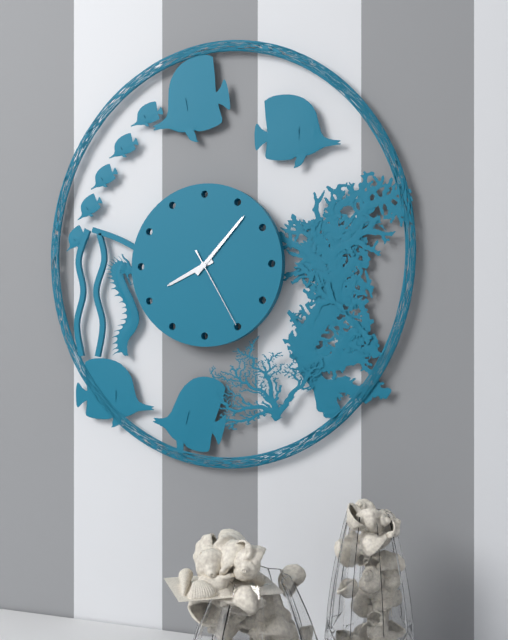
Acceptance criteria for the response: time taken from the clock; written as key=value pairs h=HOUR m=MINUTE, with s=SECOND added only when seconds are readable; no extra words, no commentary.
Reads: h=8 m=7 s=25
